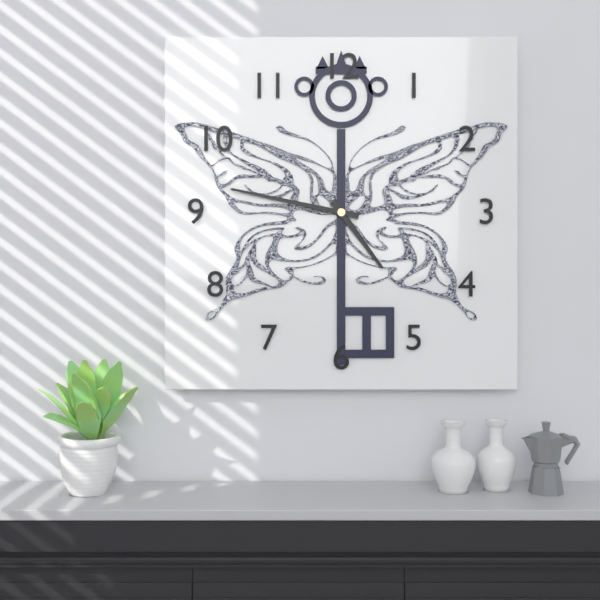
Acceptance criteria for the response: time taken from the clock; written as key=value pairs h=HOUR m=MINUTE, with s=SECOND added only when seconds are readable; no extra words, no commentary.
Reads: h=4 m=47
